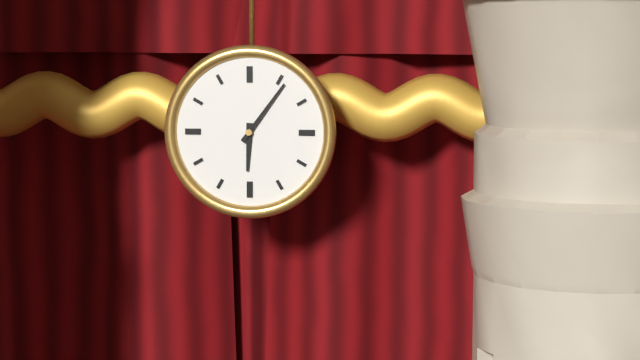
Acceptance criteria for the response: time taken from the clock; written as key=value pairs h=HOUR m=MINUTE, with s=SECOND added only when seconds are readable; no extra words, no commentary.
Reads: h=6 m=6
